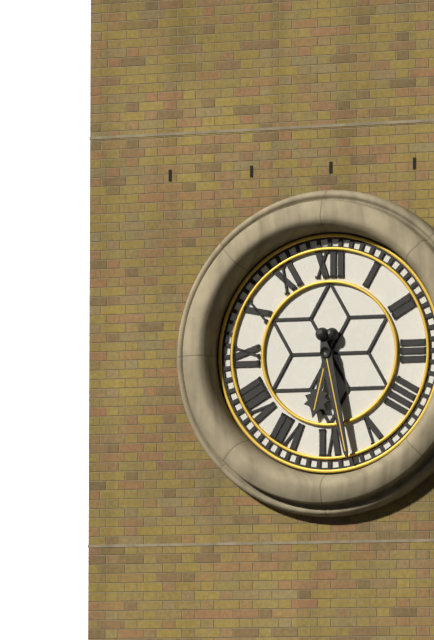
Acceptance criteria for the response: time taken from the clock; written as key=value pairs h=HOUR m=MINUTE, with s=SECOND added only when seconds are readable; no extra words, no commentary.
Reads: h=6 m=28
